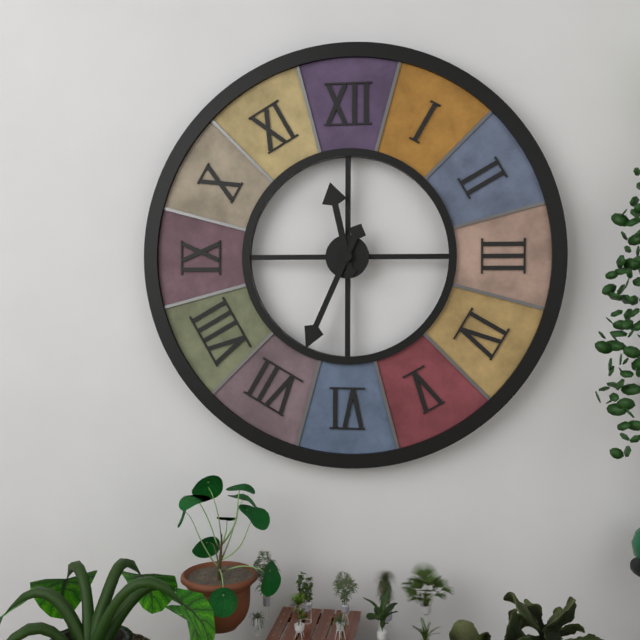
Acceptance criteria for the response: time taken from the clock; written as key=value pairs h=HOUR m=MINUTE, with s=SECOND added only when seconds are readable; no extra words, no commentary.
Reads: h=11 m=34
